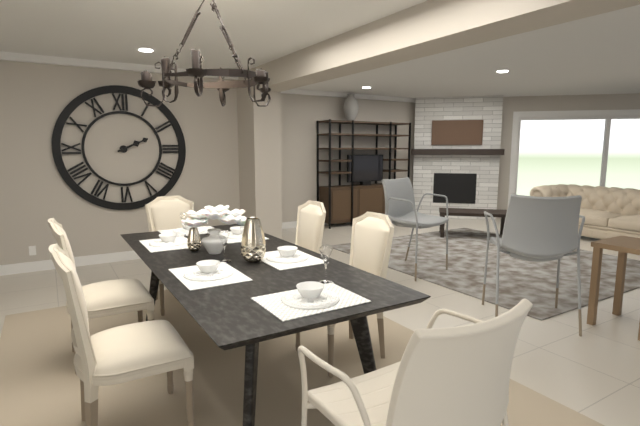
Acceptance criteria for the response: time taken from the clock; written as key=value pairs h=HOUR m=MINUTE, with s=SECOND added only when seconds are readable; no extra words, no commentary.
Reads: h=2 m=11
